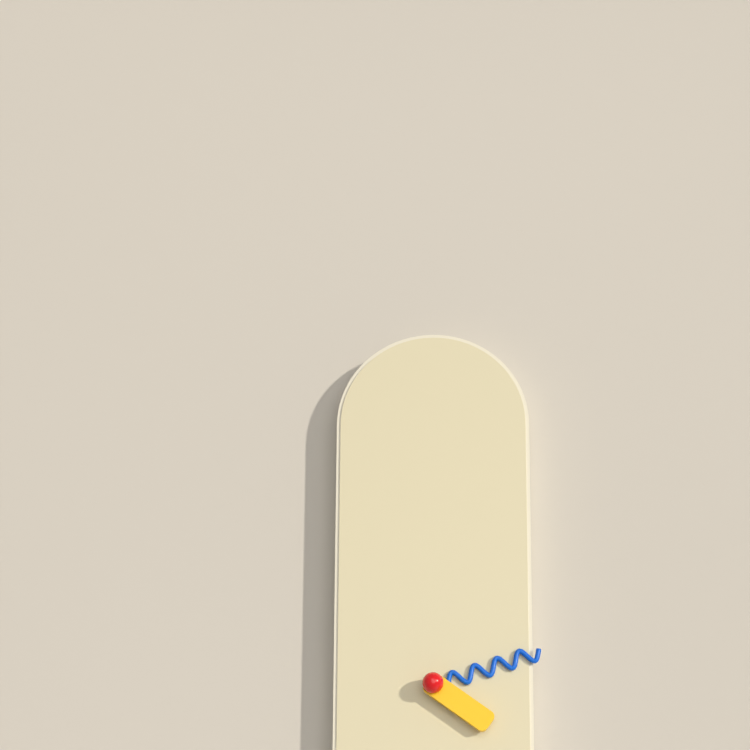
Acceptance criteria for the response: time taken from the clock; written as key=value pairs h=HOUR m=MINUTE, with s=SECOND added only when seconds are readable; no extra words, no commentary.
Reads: h=4 m=12
